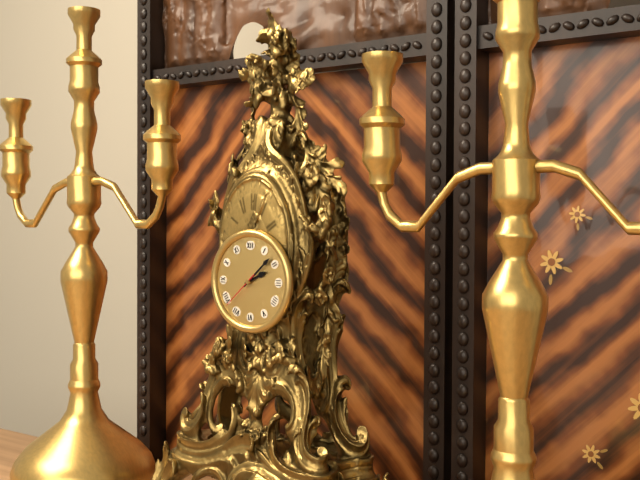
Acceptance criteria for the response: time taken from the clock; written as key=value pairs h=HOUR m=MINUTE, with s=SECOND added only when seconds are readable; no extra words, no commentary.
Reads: h=2 m=8
